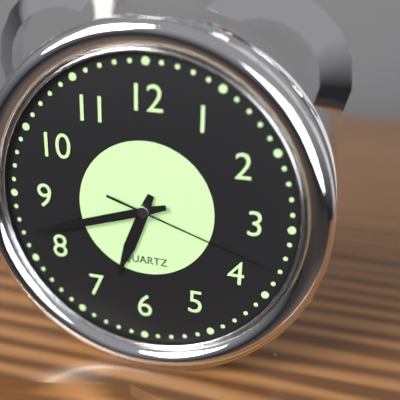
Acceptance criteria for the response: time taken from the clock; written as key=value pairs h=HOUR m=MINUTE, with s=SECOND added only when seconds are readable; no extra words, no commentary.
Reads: h=6 m=42 s=18
